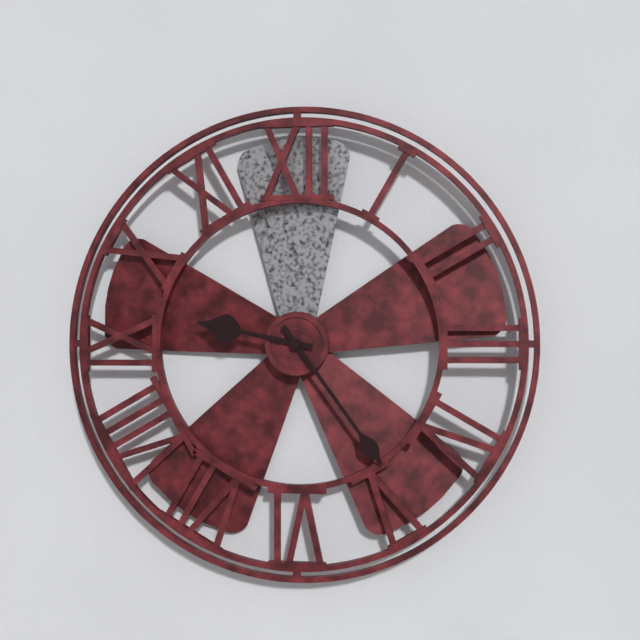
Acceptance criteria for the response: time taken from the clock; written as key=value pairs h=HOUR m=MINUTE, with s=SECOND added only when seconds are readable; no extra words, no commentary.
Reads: h=9 m=24
